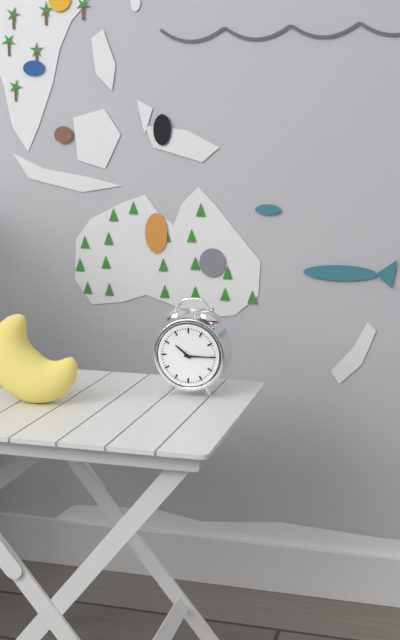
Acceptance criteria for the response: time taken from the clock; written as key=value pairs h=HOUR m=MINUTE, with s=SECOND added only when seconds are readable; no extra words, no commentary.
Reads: h=10 m=15
